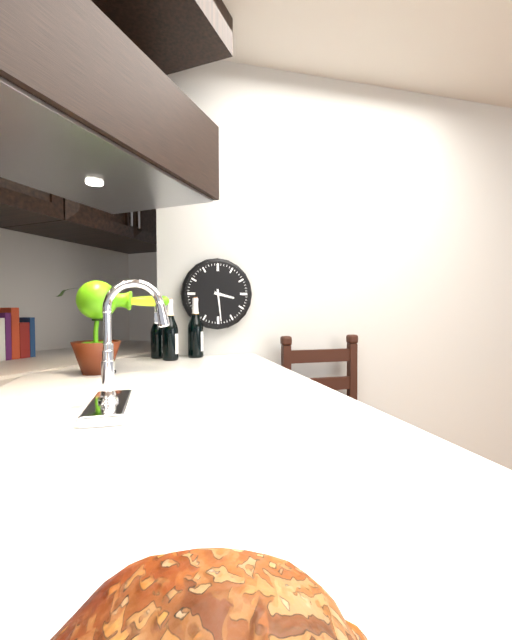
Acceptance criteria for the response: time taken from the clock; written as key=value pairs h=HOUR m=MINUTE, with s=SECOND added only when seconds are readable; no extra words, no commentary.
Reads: h=3 m=29
